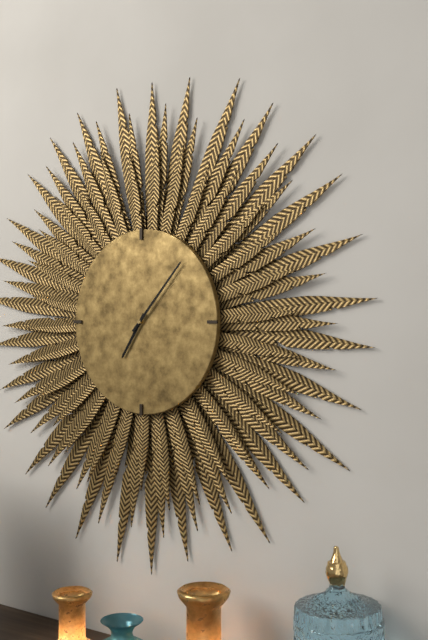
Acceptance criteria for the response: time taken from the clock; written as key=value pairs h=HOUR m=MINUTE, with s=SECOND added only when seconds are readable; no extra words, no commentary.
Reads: h=7 m=7
